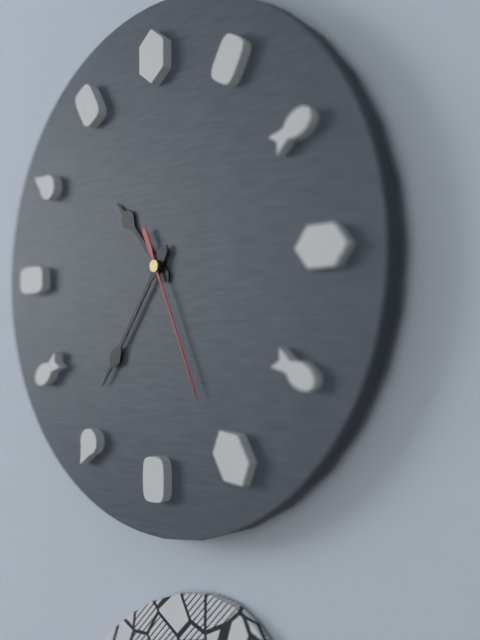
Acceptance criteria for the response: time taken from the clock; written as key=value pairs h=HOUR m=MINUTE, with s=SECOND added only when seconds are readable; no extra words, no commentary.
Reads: h=10 m=36 s=26
